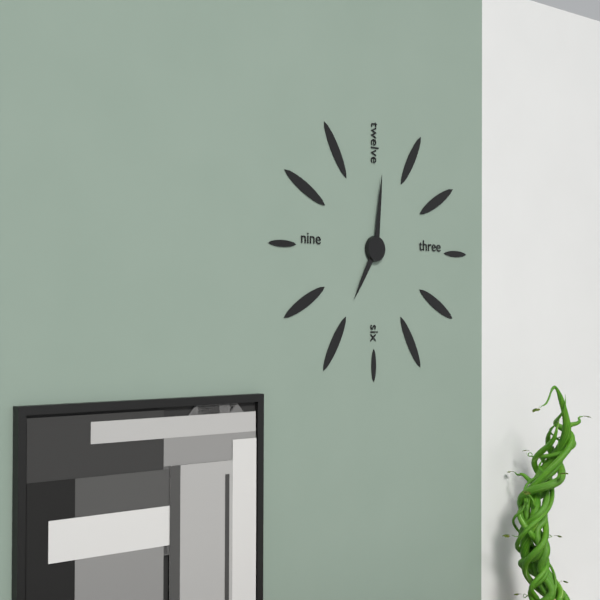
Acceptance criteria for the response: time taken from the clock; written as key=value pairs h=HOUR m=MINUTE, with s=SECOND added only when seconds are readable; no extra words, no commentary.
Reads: h=7 m=1
